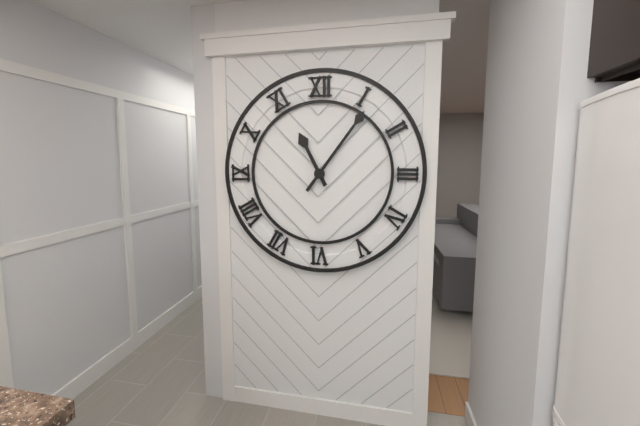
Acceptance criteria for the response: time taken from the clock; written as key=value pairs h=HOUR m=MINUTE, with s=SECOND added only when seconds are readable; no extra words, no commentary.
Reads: h=11 m=6
